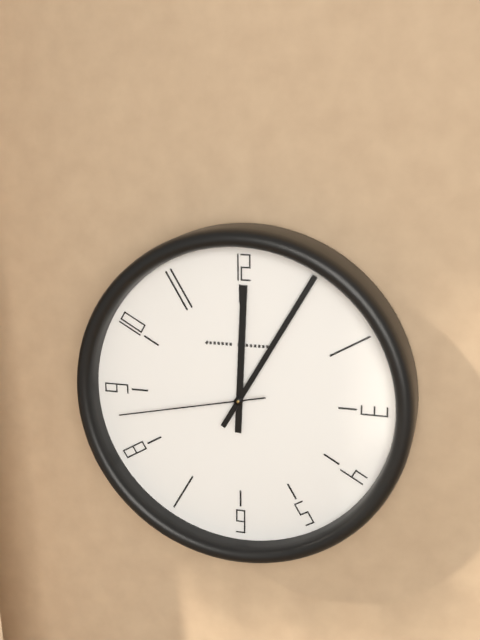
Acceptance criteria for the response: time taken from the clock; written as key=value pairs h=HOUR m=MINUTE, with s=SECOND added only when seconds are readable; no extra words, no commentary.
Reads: h=12 m=5 s=43
